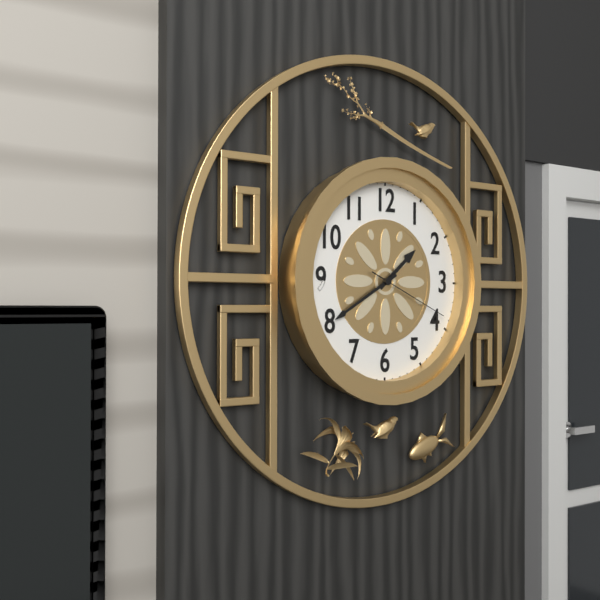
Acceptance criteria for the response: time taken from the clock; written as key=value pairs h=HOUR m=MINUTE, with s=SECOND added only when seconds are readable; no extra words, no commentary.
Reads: h=1 m=40 s=19
